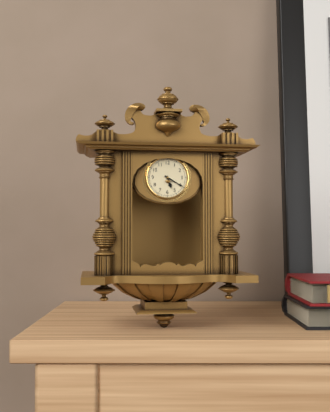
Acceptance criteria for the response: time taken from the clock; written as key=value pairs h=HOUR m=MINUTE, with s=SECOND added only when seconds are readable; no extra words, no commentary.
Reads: h=5 m=20
